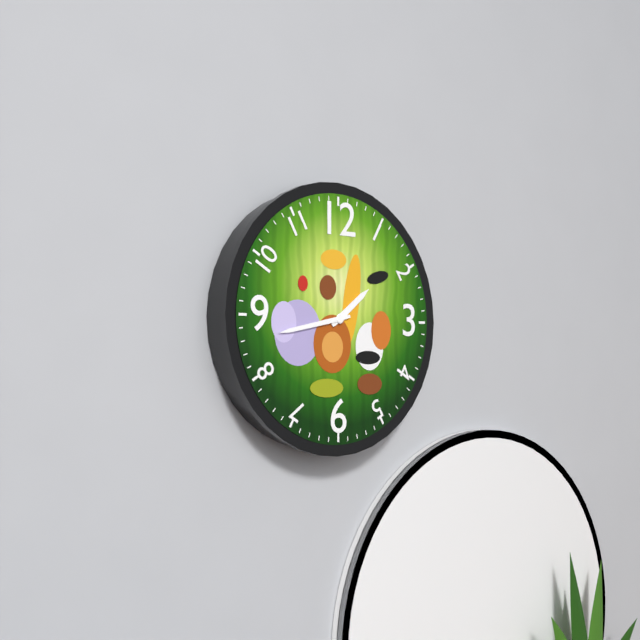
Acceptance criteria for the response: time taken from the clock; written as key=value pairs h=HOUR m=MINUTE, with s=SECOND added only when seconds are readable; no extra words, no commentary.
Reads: h=1 m=43
